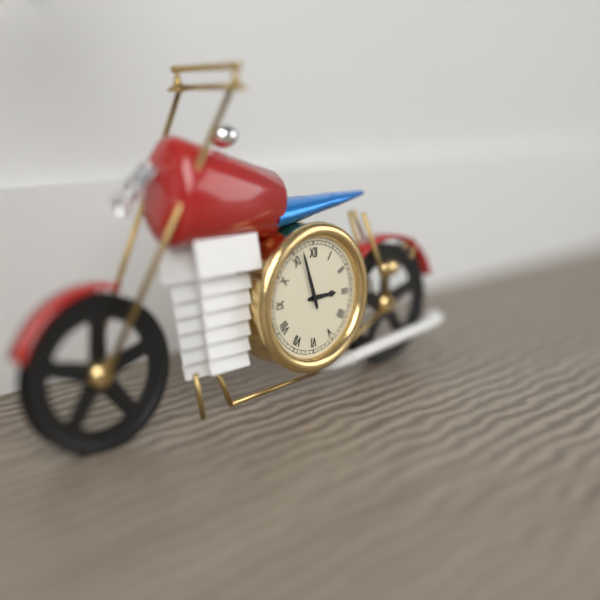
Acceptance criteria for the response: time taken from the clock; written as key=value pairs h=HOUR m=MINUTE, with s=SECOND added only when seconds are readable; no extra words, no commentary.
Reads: h=2 m=57
